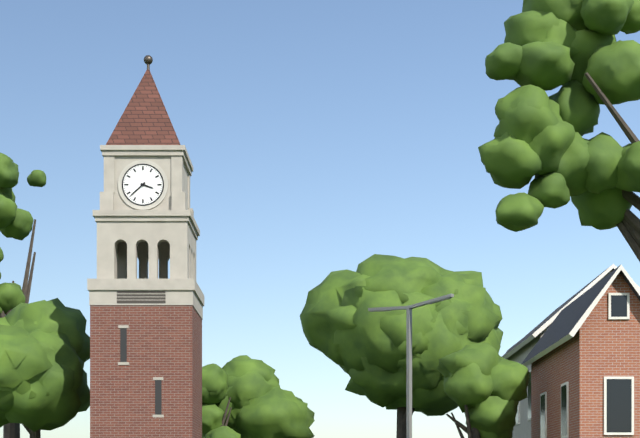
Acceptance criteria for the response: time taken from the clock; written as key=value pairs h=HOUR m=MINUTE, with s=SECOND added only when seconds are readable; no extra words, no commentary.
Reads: h=3 m=38
